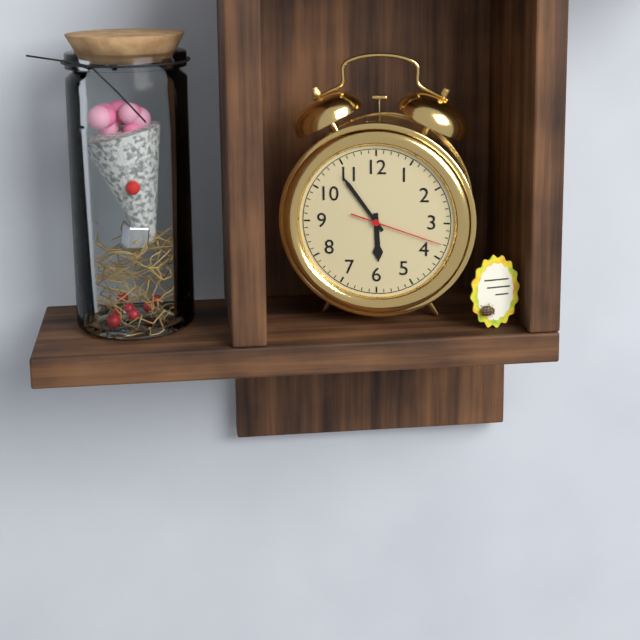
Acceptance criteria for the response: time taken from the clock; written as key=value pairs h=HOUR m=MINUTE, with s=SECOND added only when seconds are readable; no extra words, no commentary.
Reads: h=5 m=54 s=18
